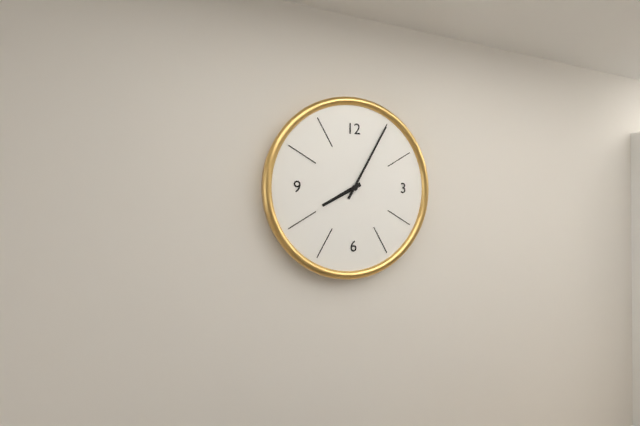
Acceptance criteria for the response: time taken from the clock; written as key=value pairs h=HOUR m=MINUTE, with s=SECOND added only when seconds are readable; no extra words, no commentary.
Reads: h=8 m=5
